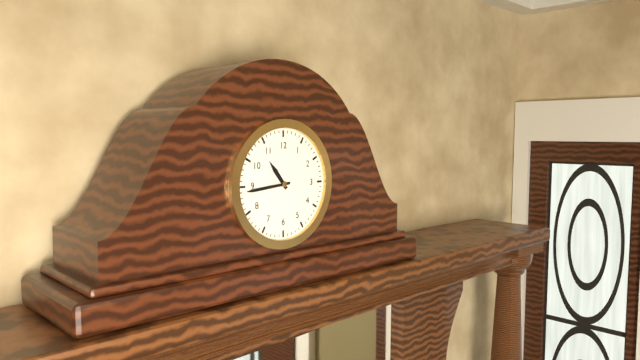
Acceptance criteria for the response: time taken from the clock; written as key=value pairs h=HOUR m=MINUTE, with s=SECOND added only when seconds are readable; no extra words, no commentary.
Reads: h=10 m=44
